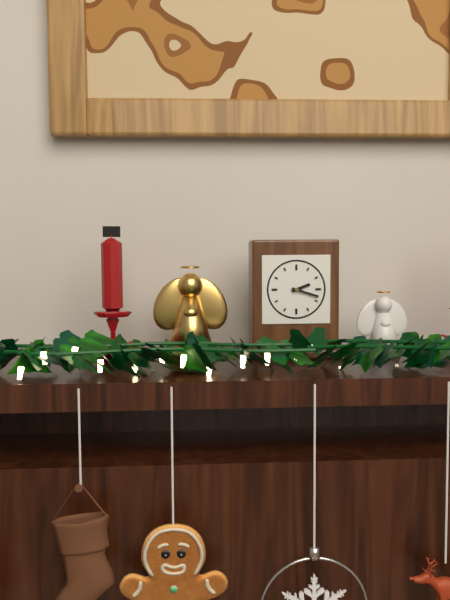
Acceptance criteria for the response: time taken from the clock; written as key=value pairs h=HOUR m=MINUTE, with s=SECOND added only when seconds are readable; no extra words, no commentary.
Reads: h=2 m=18
